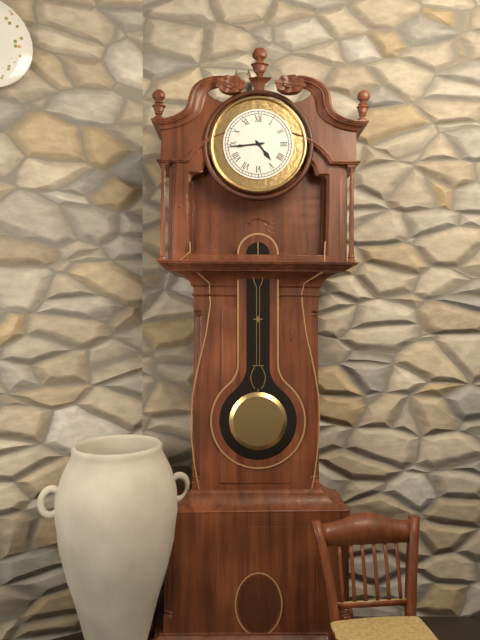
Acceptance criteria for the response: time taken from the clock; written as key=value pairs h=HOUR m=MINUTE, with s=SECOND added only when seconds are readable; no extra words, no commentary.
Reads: h=4 m=44
